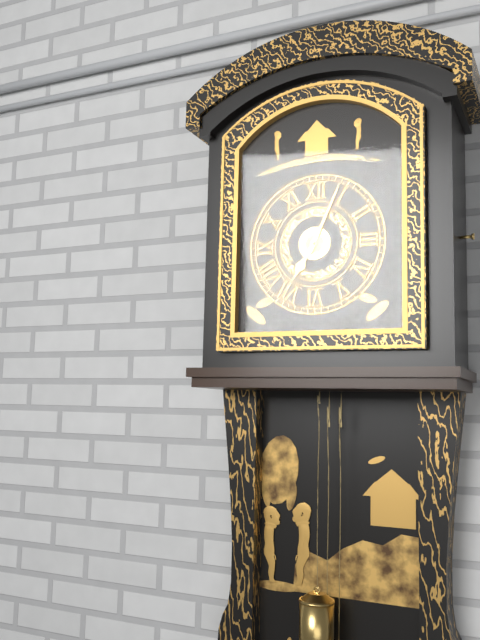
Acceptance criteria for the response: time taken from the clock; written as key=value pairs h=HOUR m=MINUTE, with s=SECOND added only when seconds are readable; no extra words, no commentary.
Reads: h=7 m=4
